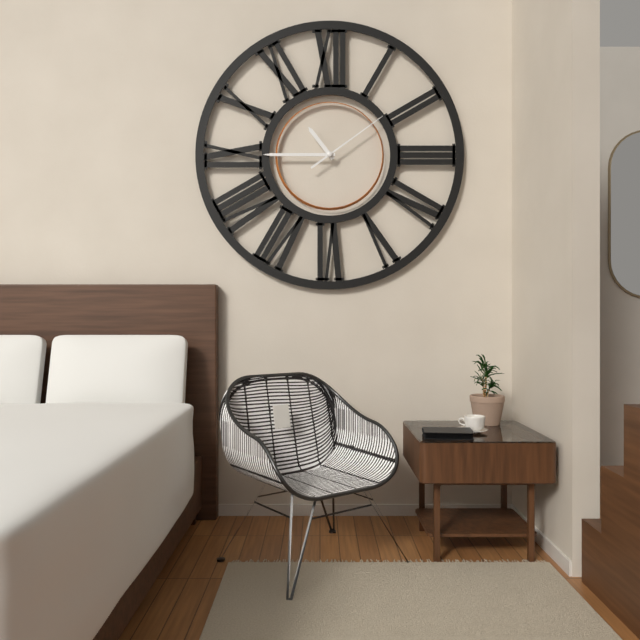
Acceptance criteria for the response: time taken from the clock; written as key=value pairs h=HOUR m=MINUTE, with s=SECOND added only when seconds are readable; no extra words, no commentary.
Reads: h=10 m=45 s=9
